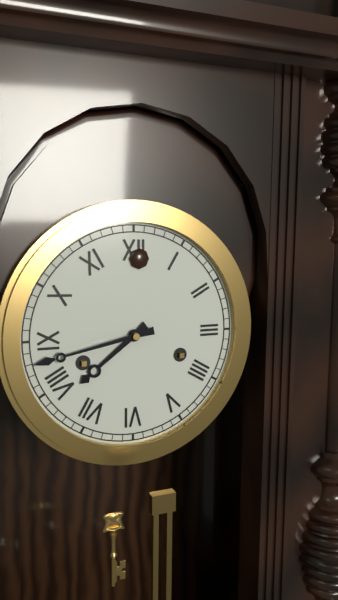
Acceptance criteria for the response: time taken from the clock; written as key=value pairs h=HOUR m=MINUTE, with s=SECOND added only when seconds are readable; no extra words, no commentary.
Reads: h=7 m=43
